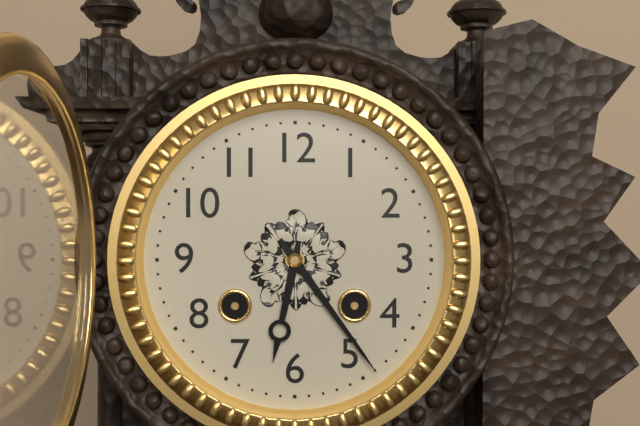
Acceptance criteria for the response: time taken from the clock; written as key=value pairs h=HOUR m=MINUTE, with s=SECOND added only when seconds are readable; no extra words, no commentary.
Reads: h=6 m=24
